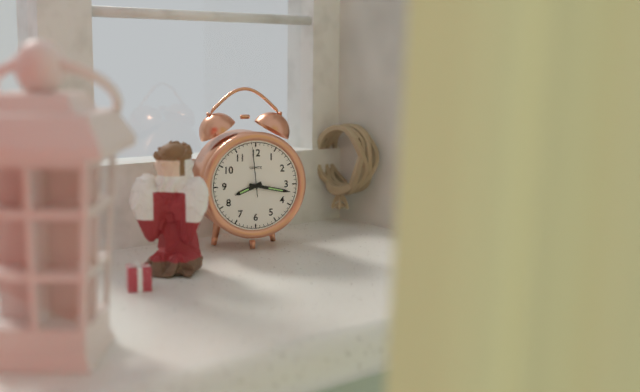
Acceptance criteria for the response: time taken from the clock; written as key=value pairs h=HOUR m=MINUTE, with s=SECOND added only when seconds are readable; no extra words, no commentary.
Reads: h=8 m=17
